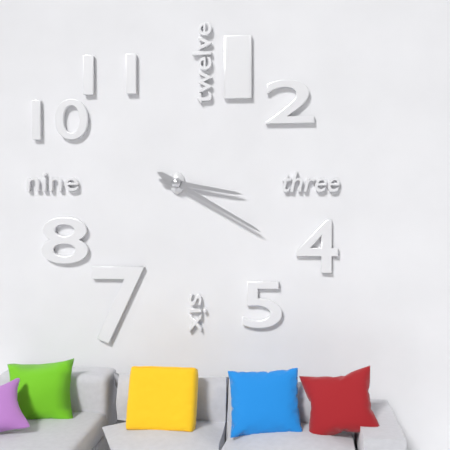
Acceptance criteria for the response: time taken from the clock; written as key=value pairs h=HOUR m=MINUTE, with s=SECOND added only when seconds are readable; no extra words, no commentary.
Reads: h=3 m=20
